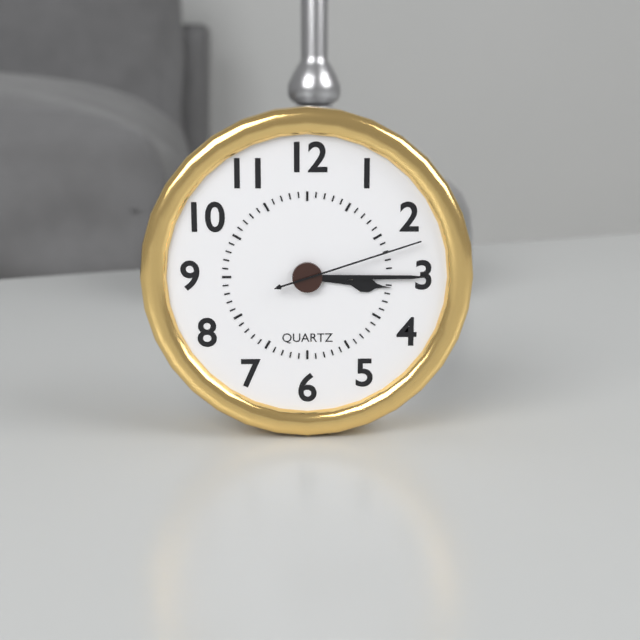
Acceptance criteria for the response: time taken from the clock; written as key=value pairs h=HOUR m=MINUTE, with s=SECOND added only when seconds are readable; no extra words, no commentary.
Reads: h=3 m=15 s=12
